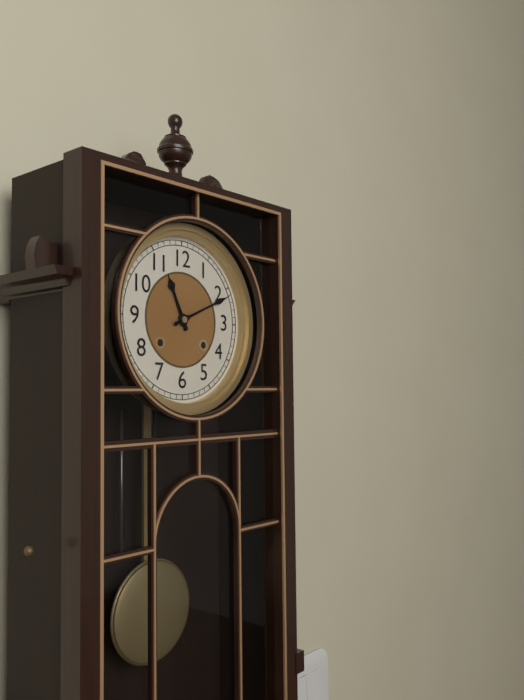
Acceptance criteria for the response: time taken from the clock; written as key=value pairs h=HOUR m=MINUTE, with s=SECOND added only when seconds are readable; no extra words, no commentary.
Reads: h=11 m=11
